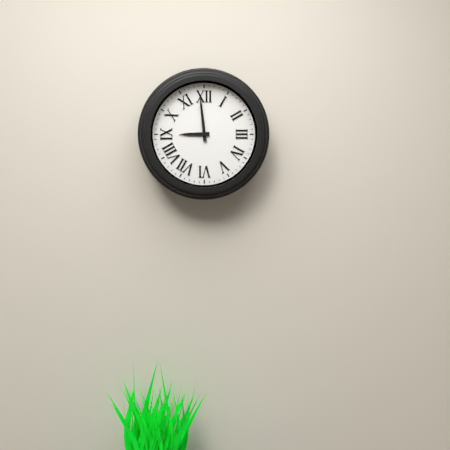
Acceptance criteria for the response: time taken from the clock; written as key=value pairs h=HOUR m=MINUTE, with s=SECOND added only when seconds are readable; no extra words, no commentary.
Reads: h=8 m=59
